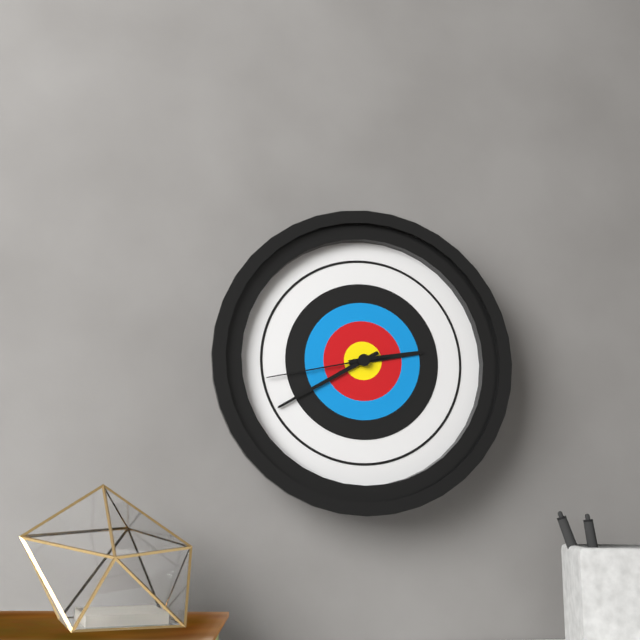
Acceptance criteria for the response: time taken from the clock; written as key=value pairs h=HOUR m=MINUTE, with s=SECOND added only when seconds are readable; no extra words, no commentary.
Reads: h=2 m=40 s=43
